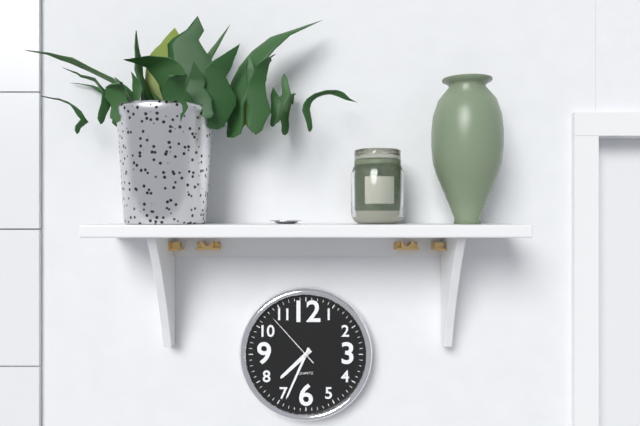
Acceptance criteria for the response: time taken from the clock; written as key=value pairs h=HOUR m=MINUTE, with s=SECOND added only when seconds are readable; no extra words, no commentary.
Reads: h=7 m=34 s=53
